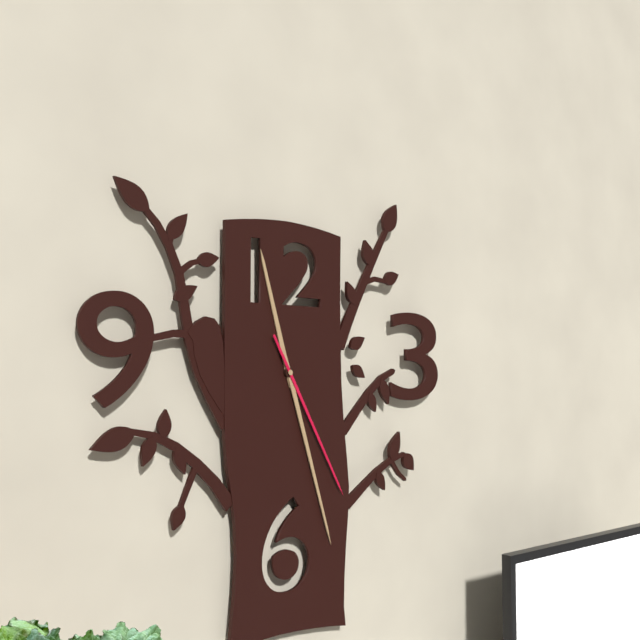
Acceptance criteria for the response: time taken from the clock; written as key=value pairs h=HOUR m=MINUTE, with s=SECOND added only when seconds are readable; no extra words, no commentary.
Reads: h=11 m=27 s=25
